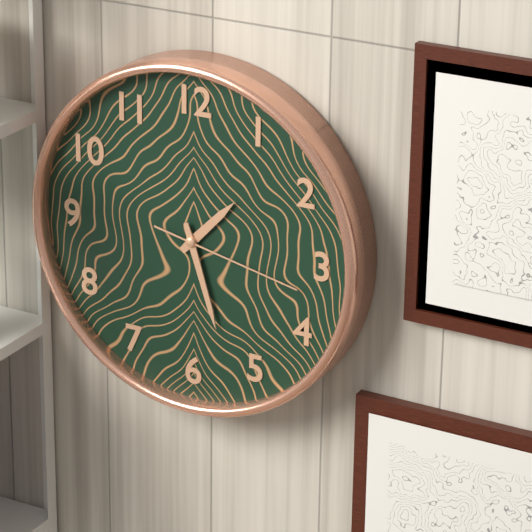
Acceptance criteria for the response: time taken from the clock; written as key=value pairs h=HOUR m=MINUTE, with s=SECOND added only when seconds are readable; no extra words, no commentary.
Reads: h=1 m=27 s=17
